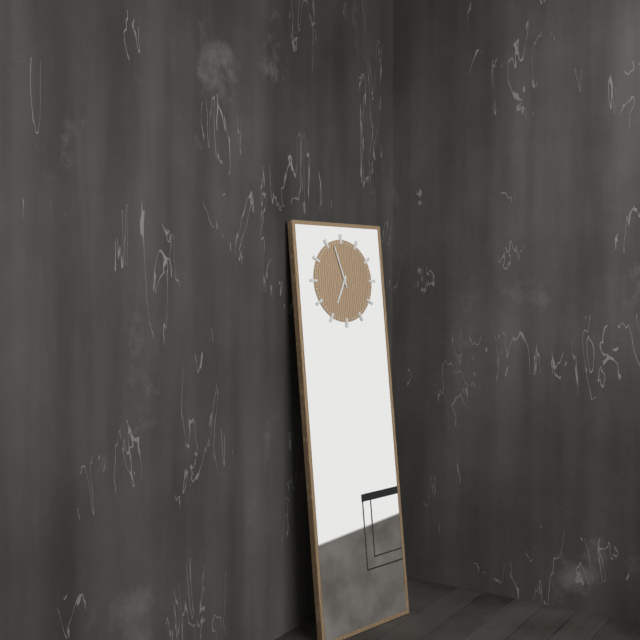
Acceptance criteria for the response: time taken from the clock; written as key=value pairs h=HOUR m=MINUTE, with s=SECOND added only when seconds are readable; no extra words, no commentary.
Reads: h=6 m=57
